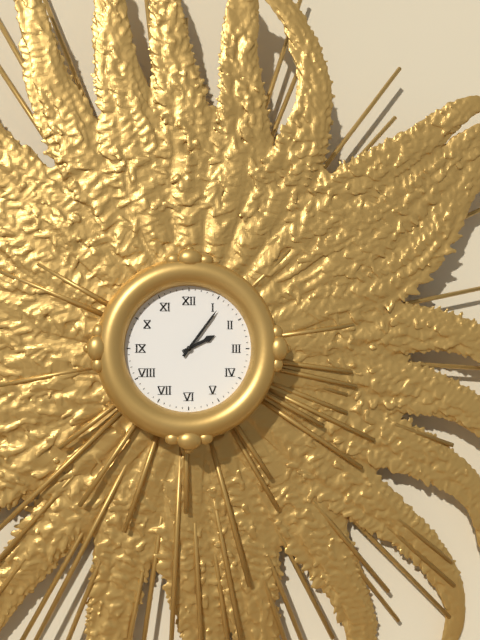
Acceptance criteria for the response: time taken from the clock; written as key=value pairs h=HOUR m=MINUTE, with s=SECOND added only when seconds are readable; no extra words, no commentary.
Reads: h=2 m=6
